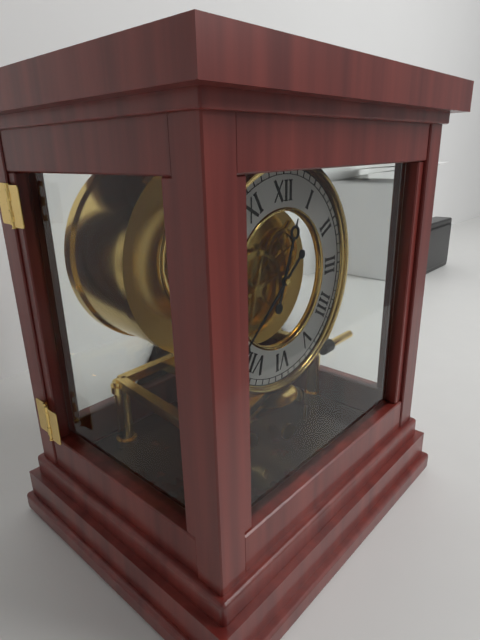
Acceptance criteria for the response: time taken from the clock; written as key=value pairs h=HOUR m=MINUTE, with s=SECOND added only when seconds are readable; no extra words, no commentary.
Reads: h=12 m=38
